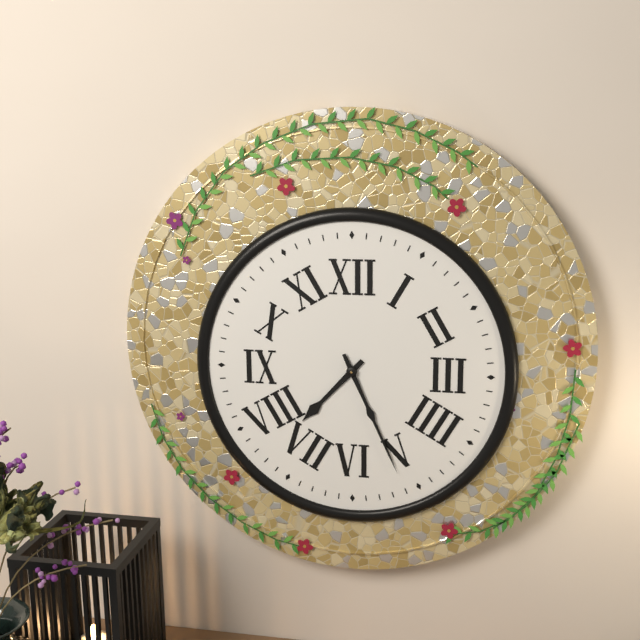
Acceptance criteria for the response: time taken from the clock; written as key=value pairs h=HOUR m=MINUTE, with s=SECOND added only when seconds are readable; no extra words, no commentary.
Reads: h=7 m=26
